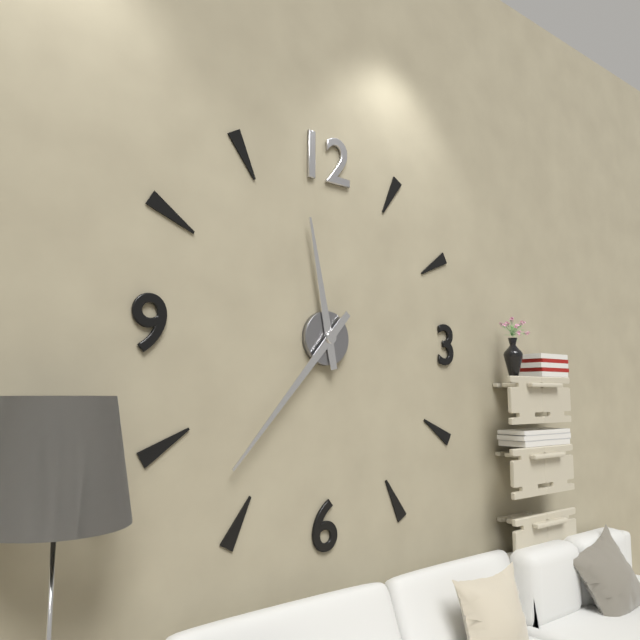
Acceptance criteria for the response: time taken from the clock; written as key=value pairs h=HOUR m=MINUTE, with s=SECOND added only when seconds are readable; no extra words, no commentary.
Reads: h=11 m=37
